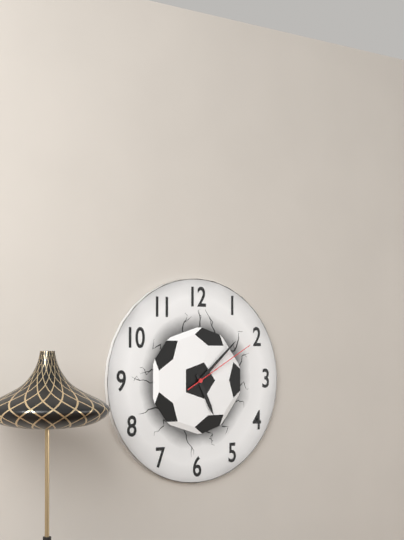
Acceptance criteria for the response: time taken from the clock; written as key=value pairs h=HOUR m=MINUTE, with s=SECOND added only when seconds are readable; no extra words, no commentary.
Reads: h=5 m=8 s=10
